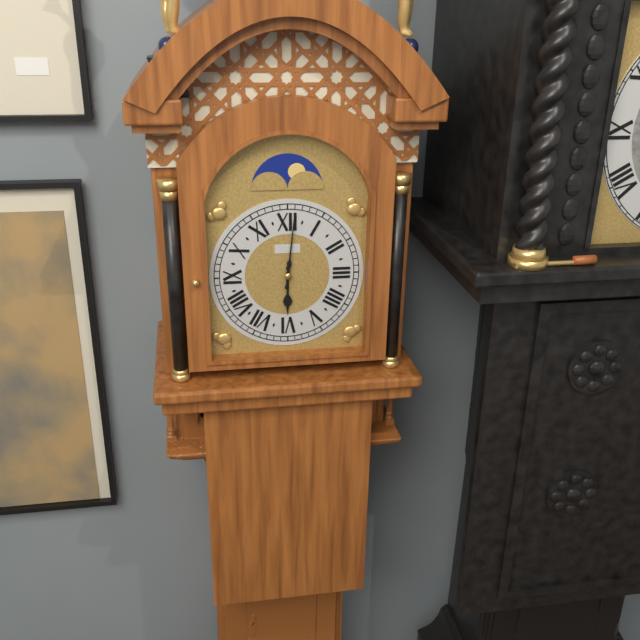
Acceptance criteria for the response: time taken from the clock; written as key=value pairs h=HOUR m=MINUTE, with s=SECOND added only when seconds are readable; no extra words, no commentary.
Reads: h=6 m=1
